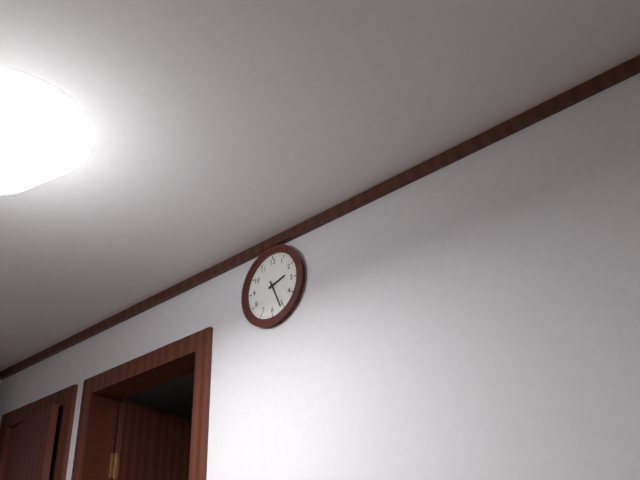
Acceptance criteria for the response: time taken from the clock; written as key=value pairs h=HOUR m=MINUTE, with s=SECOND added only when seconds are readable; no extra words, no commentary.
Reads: h=2 m=26
